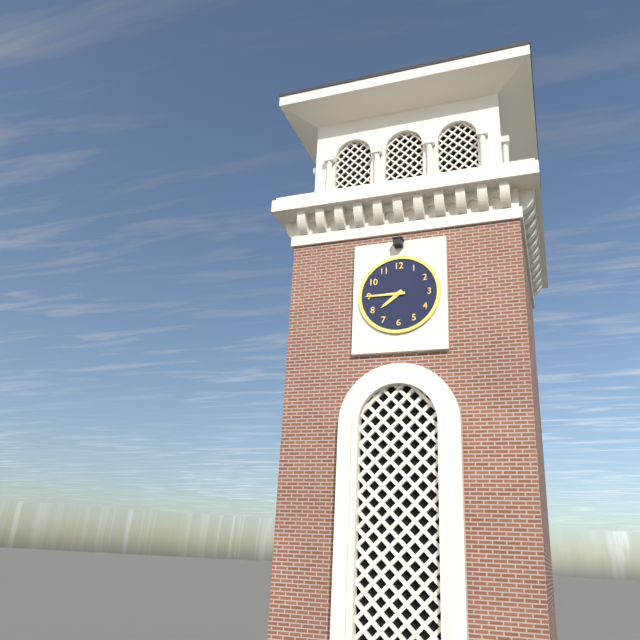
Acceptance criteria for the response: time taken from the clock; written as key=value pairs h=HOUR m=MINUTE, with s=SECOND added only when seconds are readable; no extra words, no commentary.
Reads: h=7 m=45
